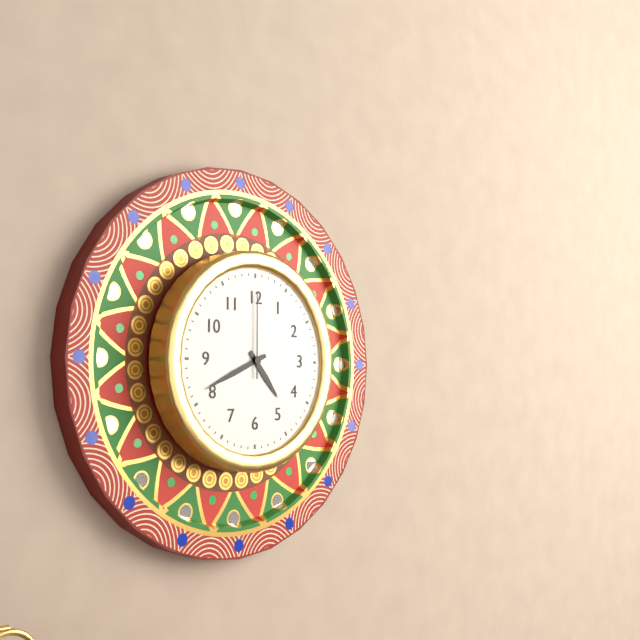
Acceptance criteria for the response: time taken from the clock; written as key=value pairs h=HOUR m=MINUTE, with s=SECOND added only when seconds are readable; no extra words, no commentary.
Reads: h=4 m=41 s=0
